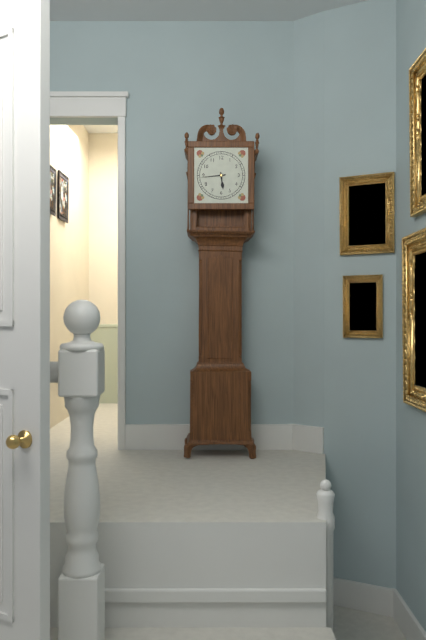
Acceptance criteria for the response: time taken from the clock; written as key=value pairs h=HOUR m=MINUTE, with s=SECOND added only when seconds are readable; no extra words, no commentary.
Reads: h=5 m=44
